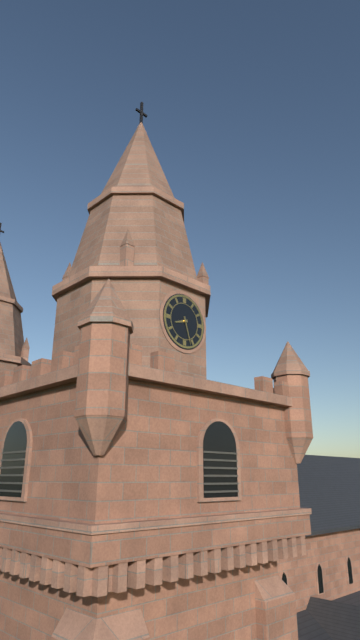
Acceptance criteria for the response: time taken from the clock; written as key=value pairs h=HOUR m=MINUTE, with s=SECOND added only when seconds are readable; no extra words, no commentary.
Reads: h=8 m=27
